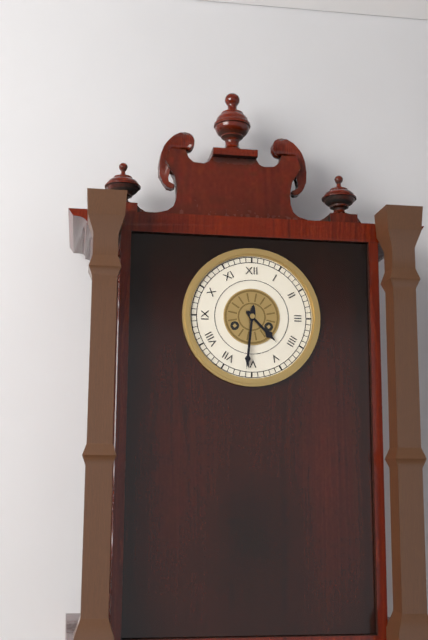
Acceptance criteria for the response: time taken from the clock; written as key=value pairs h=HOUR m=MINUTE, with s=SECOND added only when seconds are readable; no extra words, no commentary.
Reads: h=4 m=31
